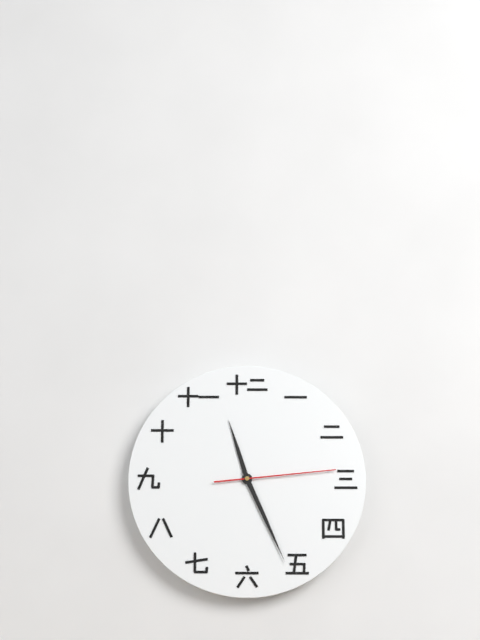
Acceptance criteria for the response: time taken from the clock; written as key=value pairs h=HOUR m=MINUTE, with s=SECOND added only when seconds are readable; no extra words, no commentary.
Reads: h=11 m=26 s=14
